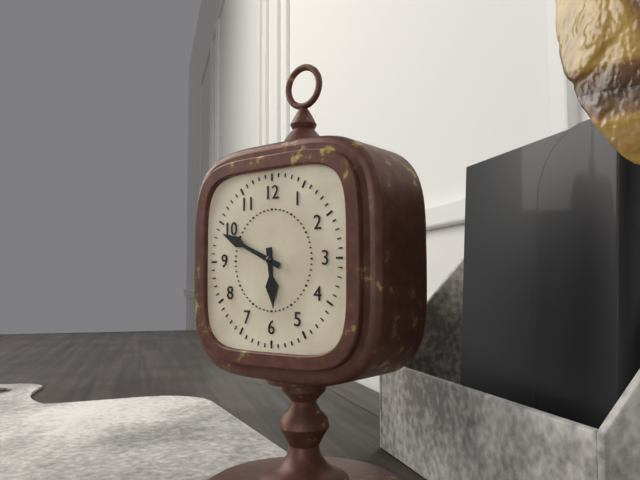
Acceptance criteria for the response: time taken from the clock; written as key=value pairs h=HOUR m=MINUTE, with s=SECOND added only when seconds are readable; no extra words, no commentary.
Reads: h=5 m=49
